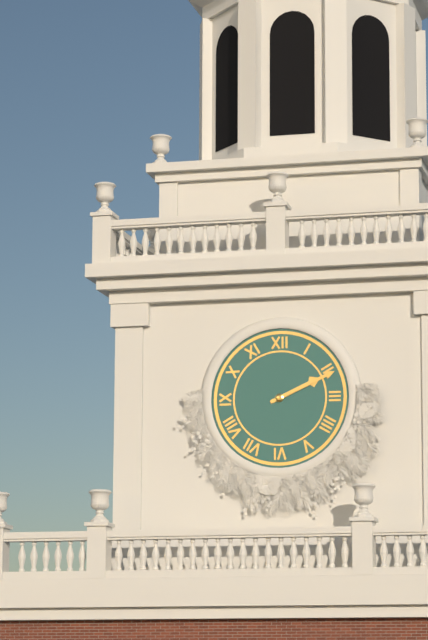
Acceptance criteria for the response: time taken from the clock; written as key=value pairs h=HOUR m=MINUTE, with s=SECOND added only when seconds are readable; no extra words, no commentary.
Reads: h=2 m=11
